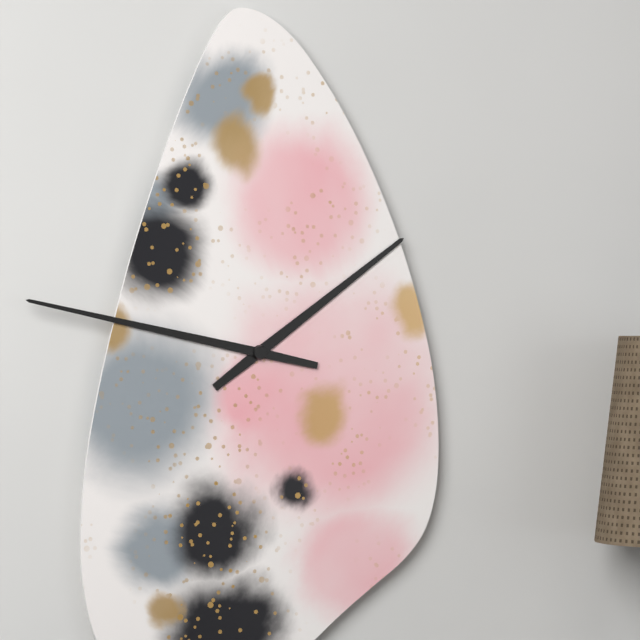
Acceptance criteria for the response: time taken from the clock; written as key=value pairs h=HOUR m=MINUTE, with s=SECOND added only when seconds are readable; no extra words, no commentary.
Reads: h=1 m=47
